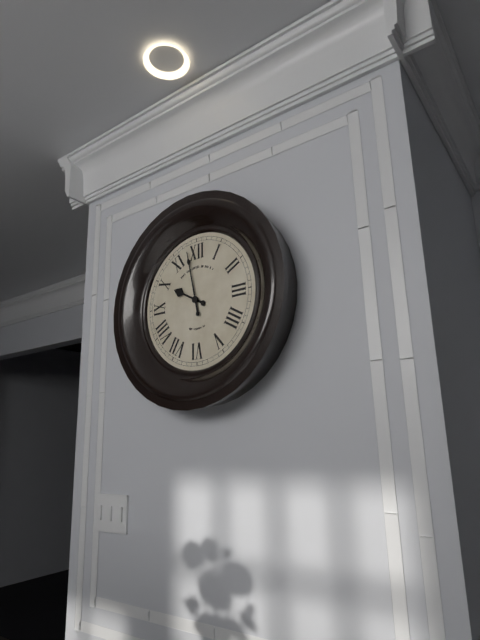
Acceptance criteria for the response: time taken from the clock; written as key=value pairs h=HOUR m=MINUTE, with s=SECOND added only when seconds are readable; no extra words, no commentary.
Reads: h=9 m=58
